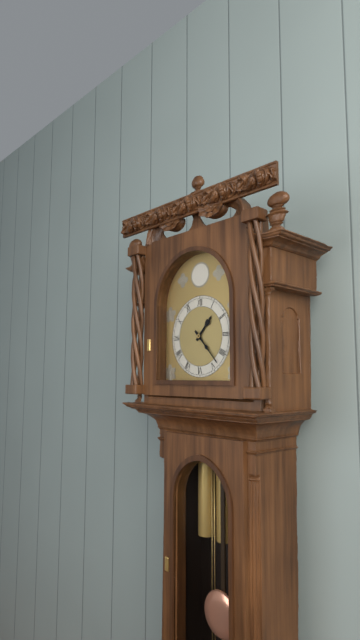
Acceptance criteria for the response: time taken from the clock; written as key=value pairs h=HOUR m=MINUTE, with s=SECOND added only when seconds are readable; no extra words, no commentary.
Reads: h=1 m=23
